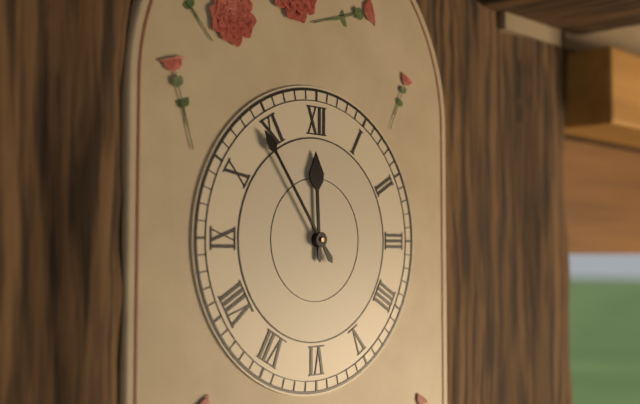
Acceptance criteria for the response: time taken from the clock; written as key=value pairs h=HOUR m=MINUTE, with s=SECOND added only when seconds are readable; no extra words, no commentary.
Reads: h=11 m=54
